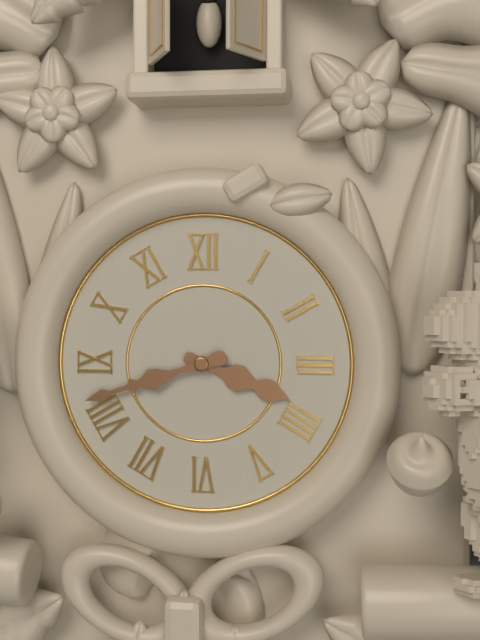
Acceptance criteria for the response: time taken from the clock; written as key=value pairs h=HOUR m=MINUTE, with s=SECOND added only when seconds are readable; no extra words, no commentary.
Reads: h=3 m=42
